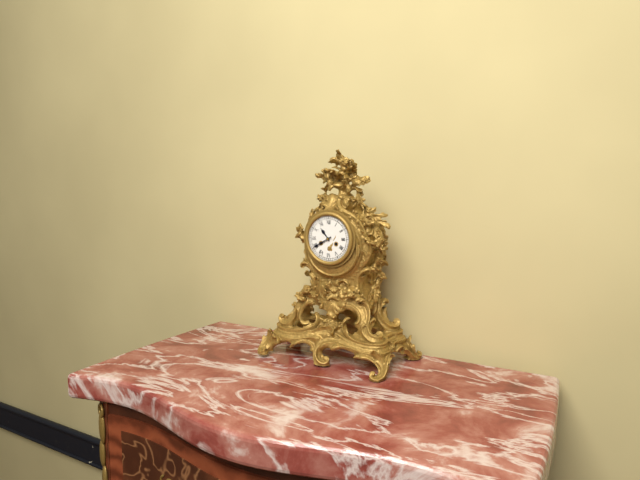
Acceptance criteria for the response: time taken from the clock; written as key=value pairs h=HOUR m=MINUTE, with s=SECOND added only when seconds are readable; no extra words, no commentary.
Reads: h=10 m=40
